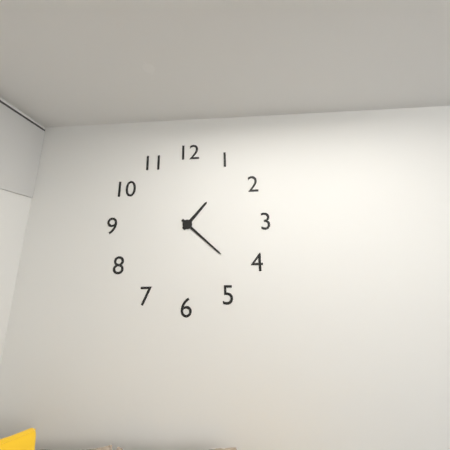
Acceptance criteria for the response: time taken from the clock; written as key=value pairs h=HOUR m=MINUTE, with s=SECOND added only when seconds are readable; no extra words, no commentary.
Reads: h=1 m=22
